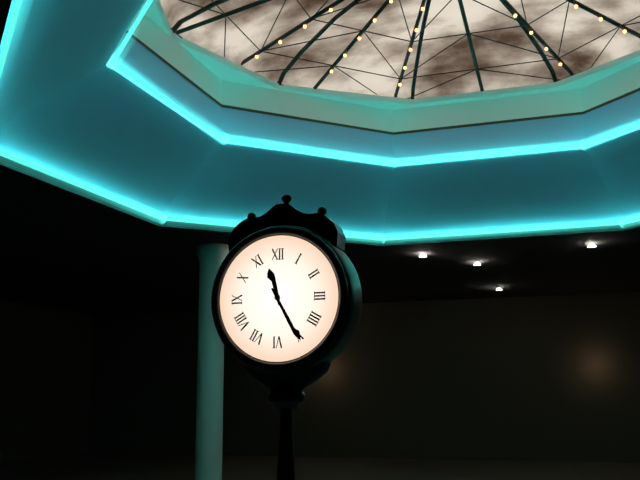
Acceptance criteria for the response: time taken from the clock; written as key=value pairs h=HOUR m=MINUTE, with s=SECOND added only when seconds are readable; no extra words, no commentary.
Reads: h=11 m=25
